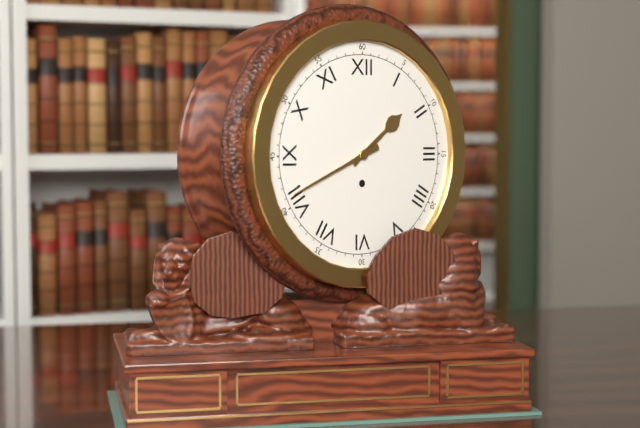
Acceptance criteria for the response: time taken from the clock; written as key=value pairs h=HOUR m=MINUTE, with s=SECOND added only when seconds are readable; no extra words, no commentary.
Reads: h=1 m=41
